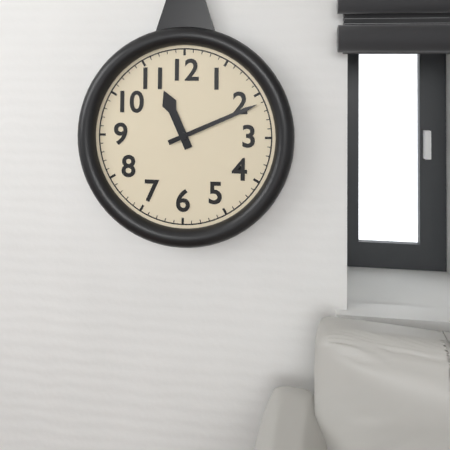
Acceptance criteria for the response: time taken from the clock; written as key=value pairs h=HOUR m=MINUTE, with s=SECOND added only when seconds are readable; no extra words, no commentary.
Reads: h=11 m=11
